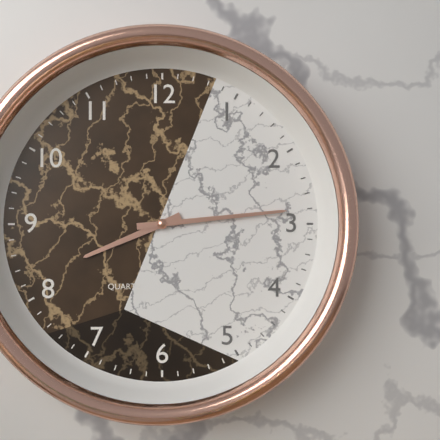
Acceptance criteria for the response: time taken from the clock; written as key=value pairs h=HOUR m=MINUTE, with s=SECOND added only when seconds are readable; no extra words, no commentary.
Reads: h=8 m=14
